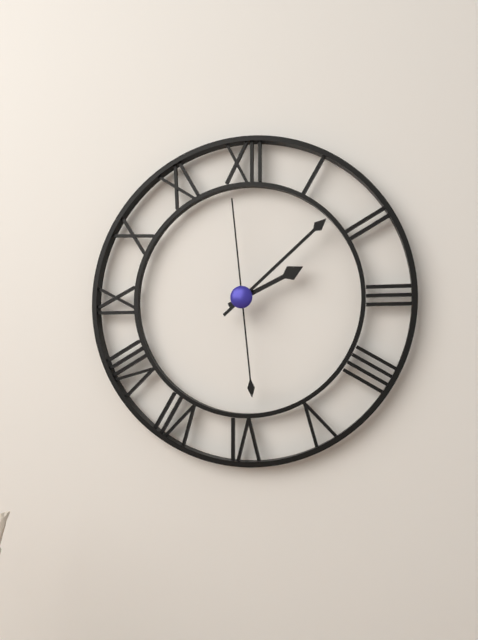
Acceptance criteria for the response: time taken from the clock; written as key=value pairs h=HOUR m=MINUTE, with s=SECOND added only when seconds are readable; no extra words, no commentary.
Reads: h=2 m=8 s=59
